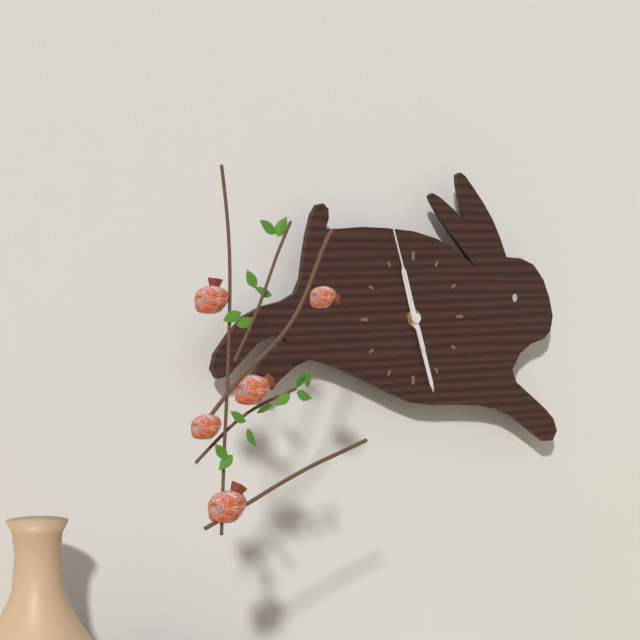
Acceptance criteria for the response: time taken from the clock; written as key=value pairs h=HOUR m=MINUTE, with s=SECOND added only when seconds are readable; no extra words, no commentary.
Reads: h=11 m=27 s=57
